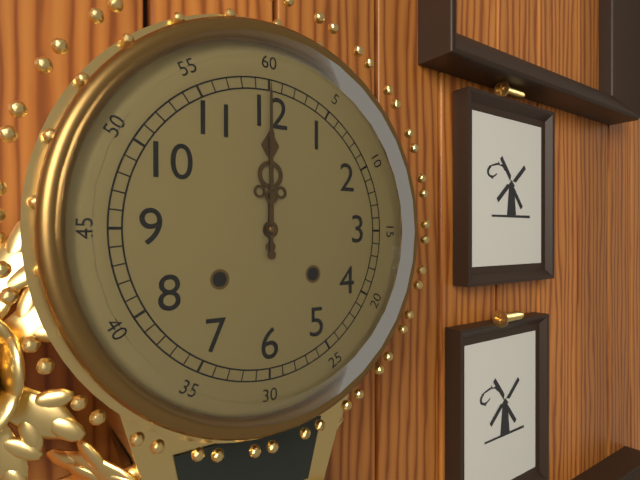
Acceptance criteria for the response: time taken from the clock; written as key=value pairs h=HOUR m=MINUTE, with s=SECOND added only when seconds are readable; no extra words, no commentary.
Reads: h=12 m=0
